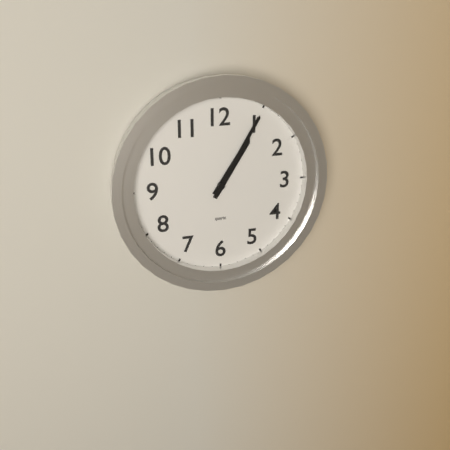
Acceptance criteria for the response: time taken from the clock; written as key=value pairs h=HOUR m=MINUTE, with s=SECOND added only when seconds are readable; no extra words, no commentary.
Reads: h=1 m=5
